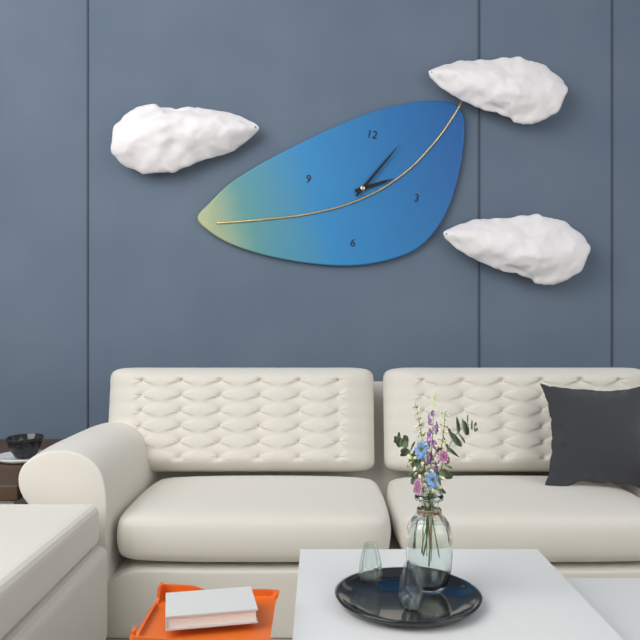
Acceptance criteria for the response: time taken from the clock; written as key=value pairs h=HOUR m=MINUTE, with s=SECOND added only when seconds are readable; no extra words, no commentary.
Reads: h=2 m=5
